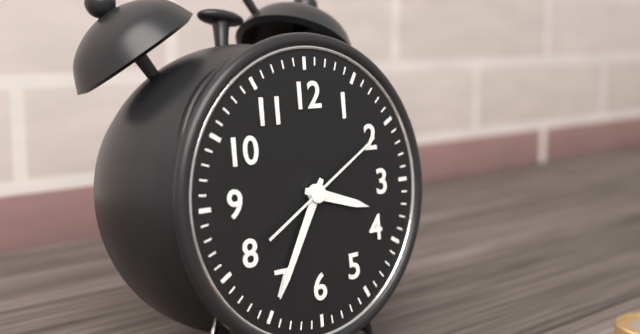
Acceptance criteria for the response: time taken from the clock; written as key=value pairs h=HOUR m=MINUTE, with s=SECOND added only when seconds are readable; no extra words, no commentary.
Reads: h=3 m=35 s=10
